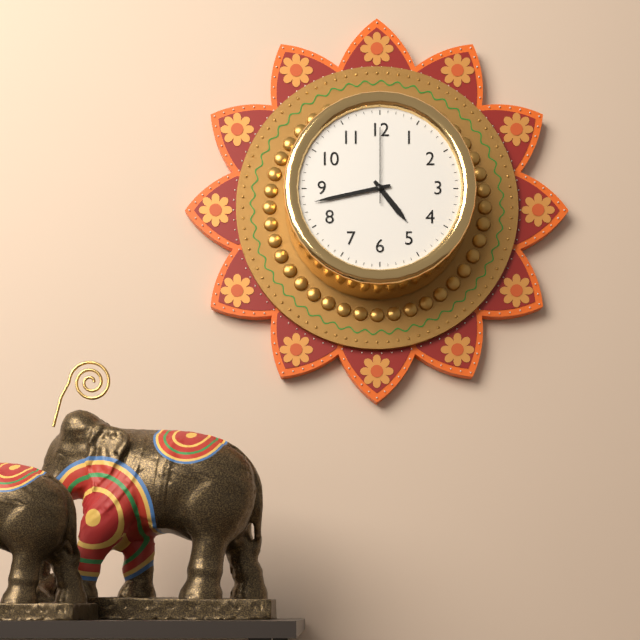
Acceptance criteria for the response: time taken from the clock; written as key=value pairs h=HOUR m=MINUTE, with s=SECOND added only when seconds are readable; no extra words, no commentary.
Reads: h=4 m=43 s=0
